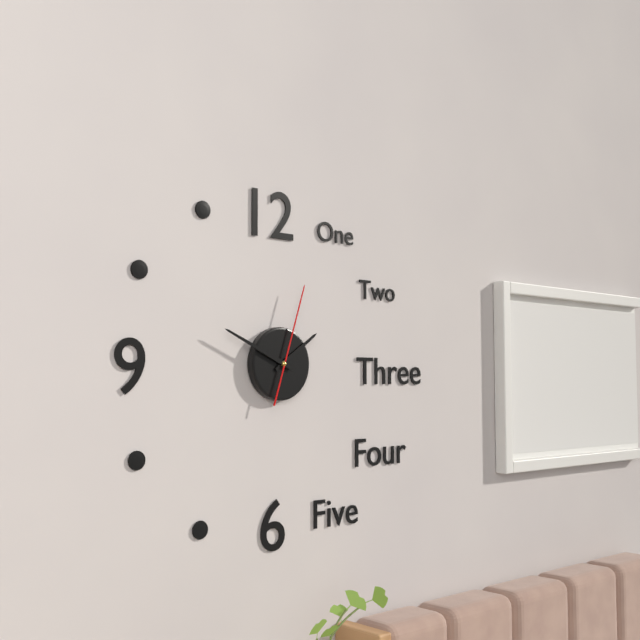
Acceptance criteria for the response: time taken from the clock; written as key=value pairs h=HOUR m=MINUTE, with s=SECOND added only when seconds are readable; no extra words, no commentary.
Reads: h=1 m=49 s=3
